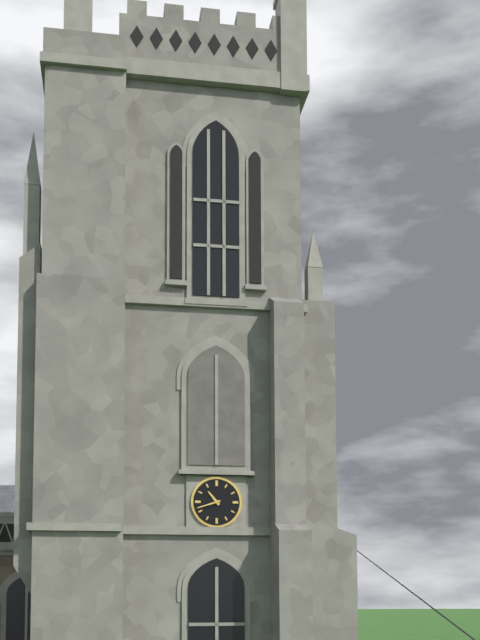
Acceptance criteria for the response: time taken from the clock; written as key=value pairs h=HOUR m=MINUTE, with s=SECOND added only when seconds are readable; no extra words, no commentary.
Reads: h=10 m=42
